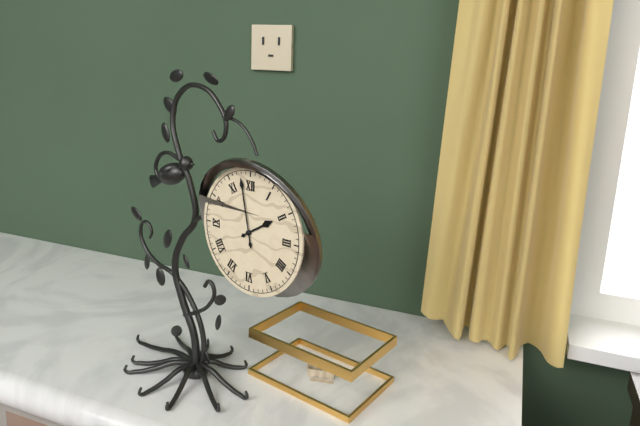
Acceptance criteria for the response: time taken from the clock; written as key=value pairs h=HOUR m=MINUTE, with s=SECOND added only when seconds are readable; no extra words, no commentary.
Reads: h=1 m=58
